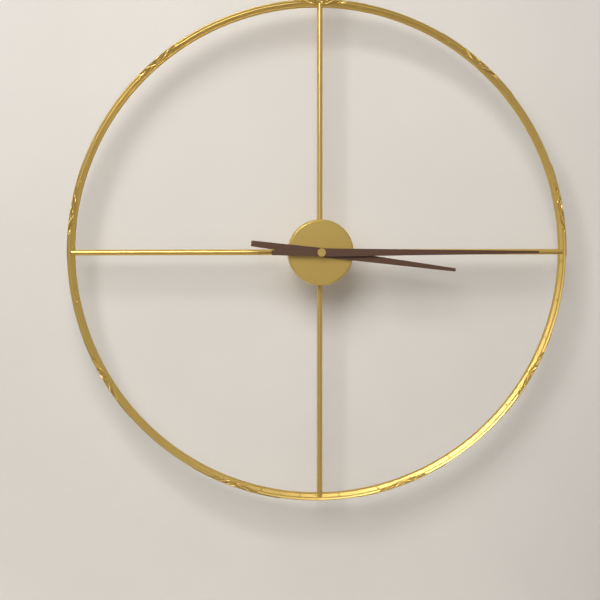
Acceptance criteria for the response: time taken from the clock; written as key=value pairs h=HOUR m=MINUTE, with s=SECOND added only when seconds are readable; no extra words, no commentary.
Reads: h=3 m=15
